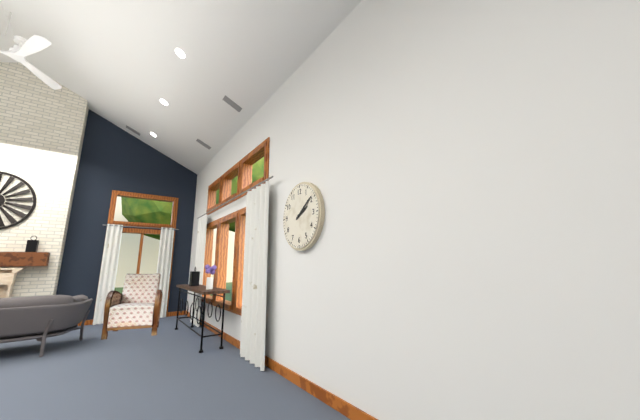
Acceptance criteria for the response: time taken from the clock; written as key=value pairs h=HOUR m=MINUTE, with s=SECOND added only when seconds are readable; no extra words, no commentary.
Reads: h=2 m=9
